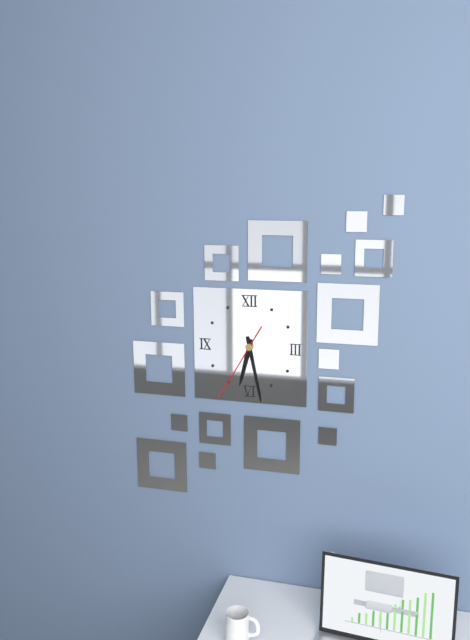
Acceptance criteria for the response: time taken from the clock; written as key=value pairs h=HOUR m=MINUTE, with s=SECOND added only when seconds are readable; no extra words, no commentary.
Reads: h=6 m=28 s=35
